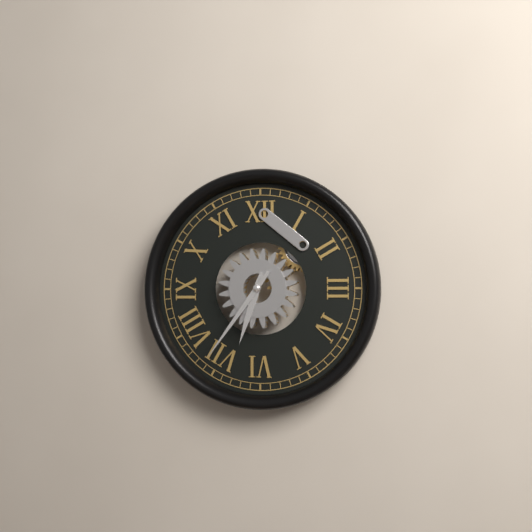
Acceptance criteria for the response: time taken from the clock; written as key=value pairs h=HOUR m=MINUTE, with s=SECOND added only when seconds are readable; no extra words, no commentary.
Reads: h=6 m=36
